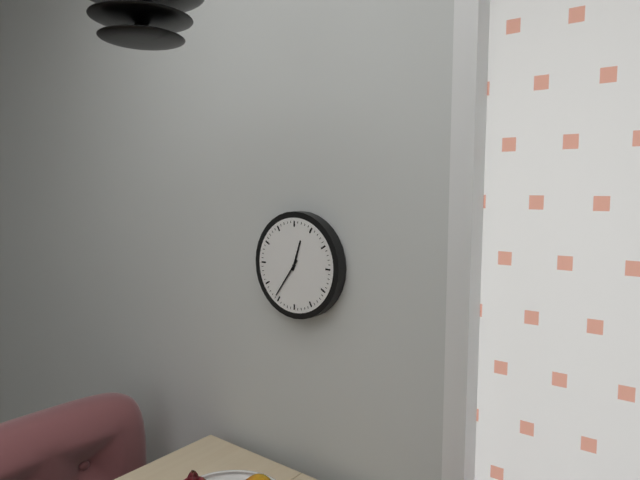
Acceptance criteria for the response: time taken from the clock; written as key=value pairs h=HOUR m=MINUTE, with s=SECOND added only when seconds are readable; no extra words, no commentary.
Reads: h=12 m=36
